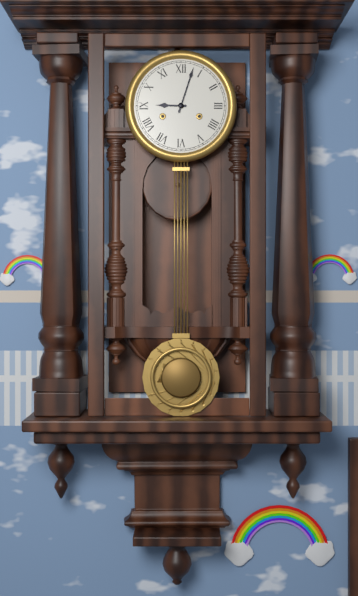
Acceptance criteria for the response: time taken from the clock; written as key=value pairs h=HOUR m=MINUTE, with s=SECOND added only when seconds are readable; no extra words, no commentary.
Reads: h=9 m=3
